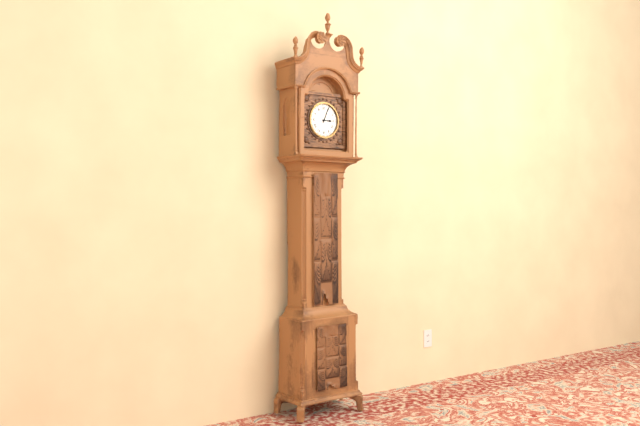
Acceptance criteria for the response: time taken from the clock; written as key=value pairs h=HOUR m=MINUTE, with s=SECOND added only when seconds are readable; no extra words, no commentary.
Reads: h=3 m=4
